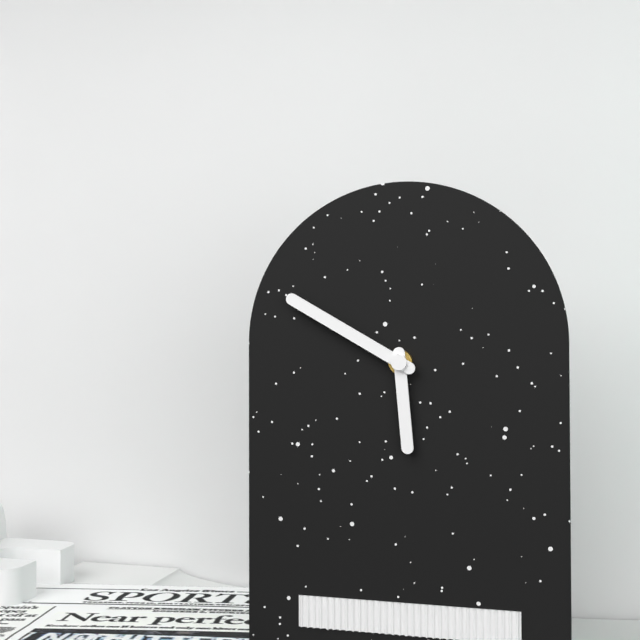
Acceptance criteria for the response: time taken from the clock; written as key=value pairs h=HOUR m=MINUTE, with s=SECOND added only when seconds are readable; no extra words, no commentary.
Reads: h=5 m=50
